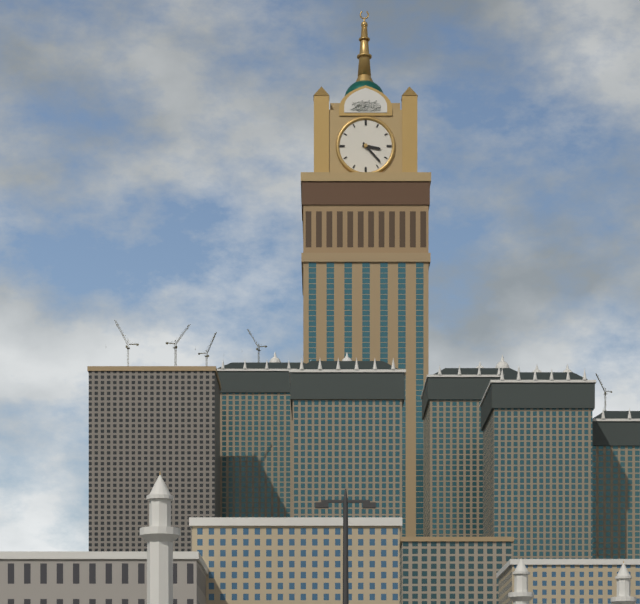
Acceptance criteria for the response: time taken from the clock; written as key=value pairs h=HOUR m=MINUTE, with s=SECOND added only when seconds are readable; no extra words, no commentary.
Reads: h=3 m=23
